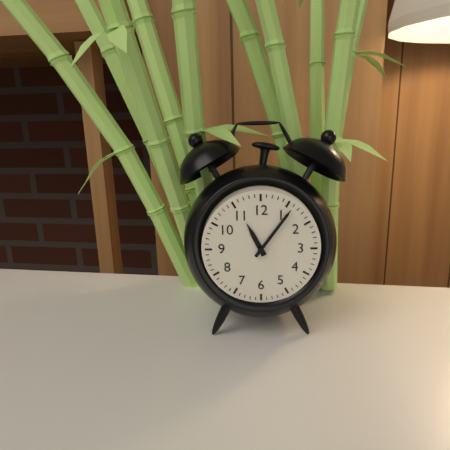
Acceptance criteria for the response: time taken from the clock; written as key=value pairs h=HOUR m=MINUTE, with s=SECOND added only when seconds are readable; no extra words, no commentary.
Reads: h=11 m=6
